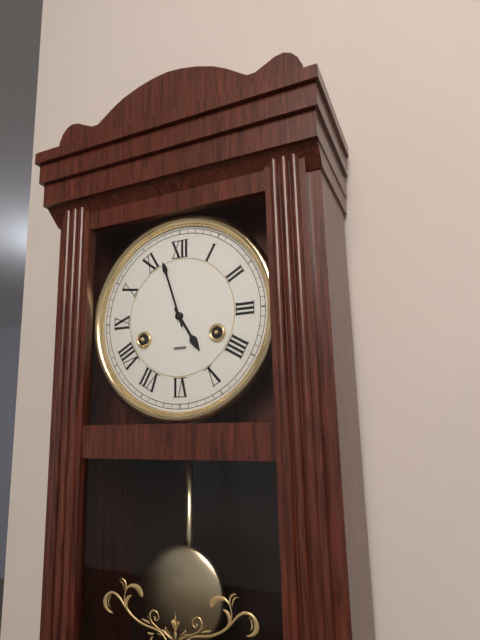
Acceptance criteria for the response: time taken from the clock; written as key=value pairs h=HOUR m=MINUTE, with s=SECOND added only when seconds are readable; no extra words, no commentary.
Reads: h=4 m=57
